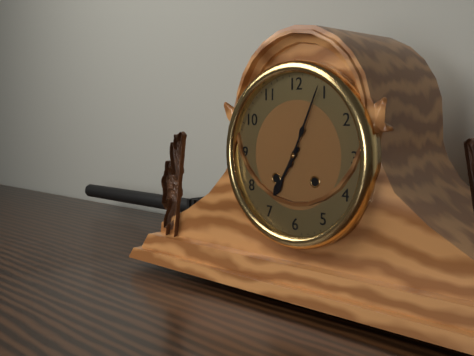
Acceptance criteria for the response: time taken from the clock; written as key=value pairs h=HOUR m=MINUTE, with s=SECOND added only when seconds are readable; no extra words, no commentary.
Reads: h=7 m=4
